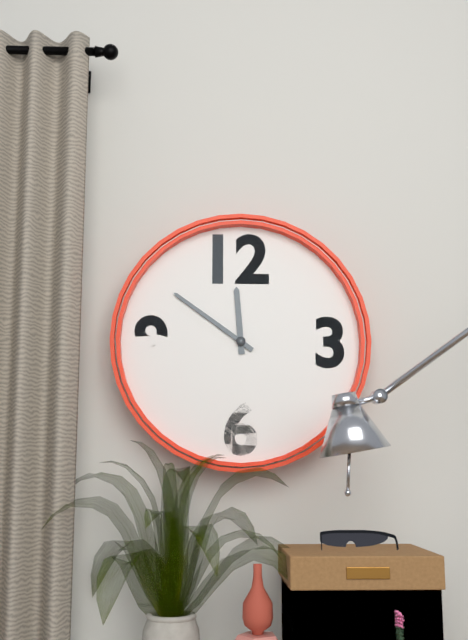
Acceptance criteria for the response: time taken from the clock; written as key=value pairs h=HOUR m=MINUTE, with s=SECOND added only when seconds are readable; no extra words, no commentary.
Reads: h=11 m=51
